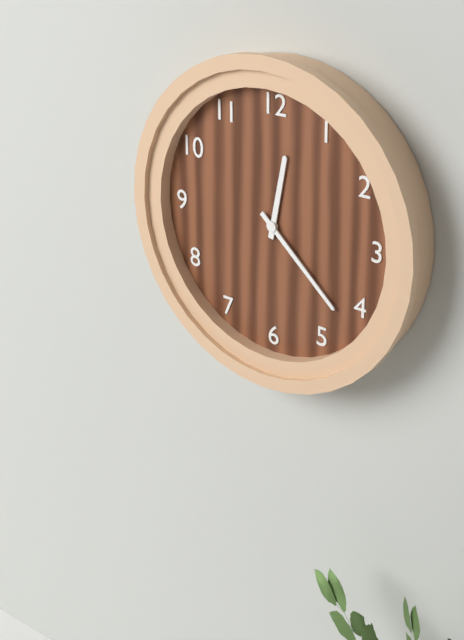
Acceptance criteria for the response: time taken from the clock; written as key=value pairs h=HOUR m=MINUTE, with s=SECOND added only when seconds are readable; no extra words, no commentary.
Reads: h=12 m=22
